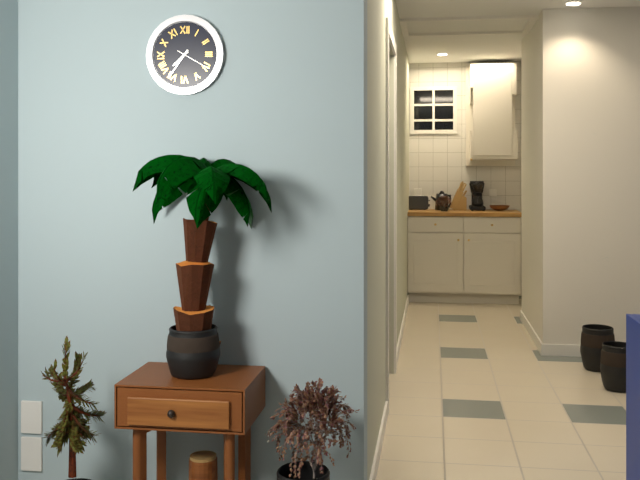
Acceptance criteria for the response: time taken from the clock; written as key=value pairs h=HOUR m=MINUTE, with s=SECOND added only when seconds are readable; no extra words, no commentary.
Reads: h=7 m=36
